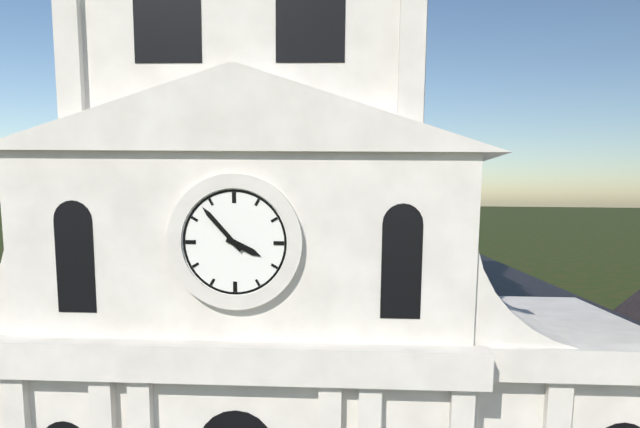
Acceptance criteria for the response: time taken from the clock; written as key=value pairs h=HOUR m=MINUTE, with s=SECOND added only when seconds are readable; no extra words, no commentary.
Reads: h=3 m=53
